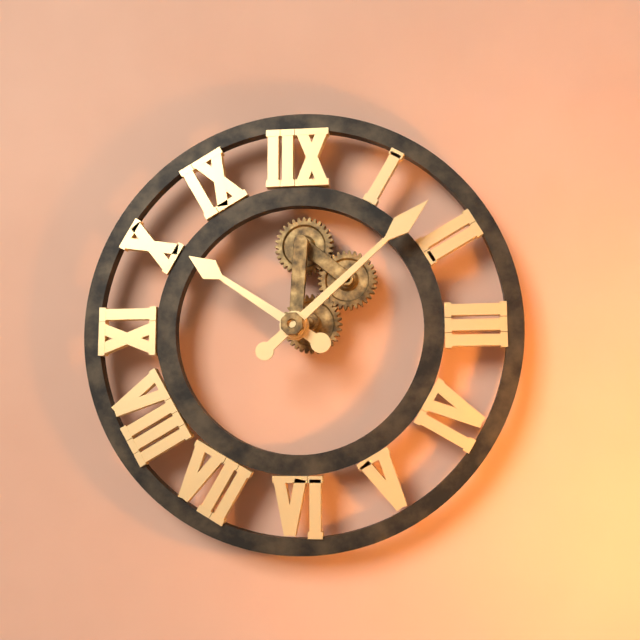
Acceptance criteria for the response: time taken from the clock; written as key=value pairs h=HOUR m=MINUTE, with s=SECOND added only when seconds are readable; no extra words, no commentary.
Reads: h=10 m=8
